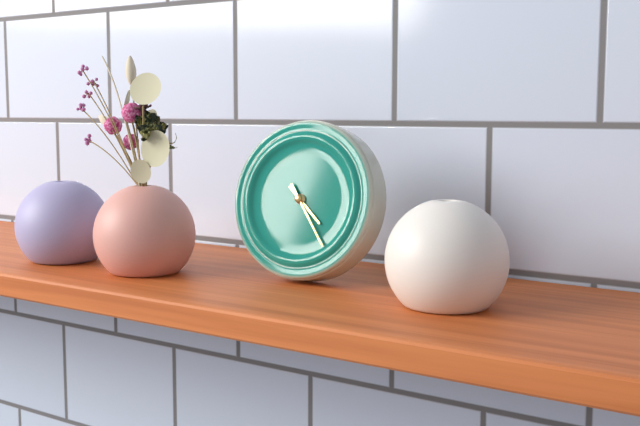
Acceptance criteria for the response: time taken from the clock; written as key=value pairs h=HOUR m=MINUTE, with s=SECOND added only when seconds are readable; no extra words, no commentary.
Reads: h=4 m=24
